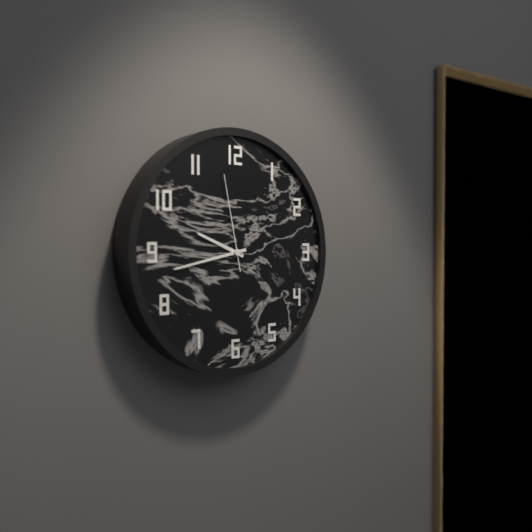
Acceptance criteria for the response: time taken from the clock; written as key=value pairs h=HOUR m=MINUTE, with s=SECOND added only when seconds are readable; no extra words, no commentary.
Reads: h=9 m=43 s=58
